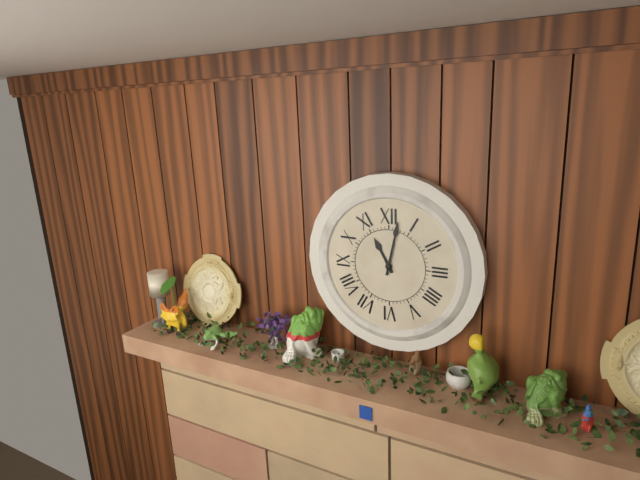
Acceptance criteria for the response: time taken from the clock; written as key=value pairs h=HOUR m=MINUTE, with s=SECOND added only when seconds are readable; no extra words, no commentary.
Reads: h=11 m=2
